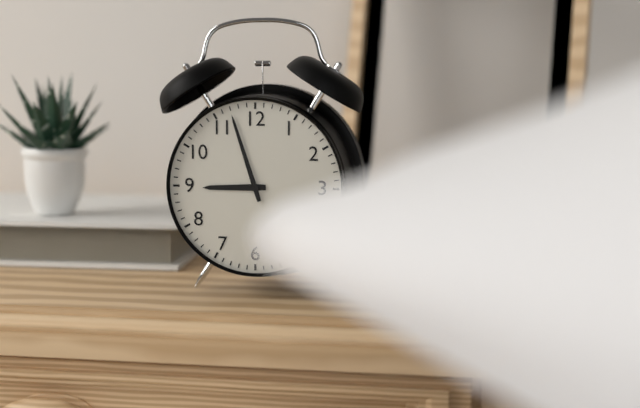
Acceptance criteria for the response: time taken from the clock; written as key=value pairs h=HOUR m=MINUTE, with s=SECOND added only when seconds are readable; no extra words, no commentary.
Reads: h=8 m=57
